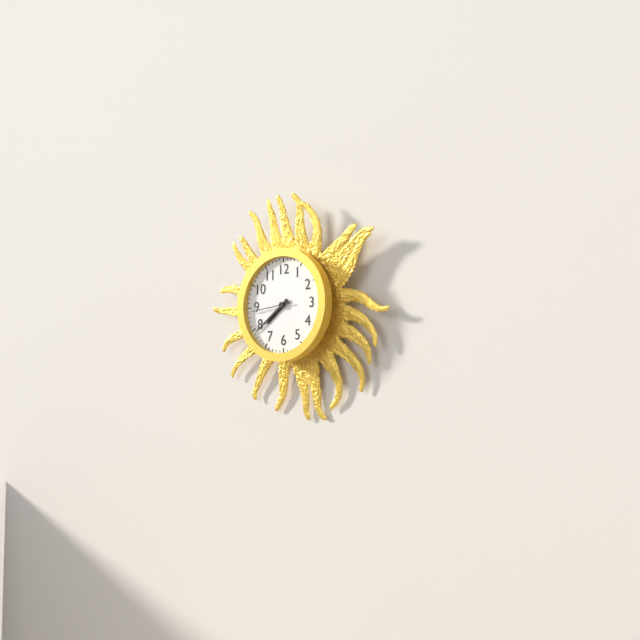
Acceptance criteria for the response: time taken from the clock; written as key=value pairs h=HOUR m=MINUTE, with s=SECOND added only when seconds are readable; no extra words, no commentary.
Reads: h=7 m=39
